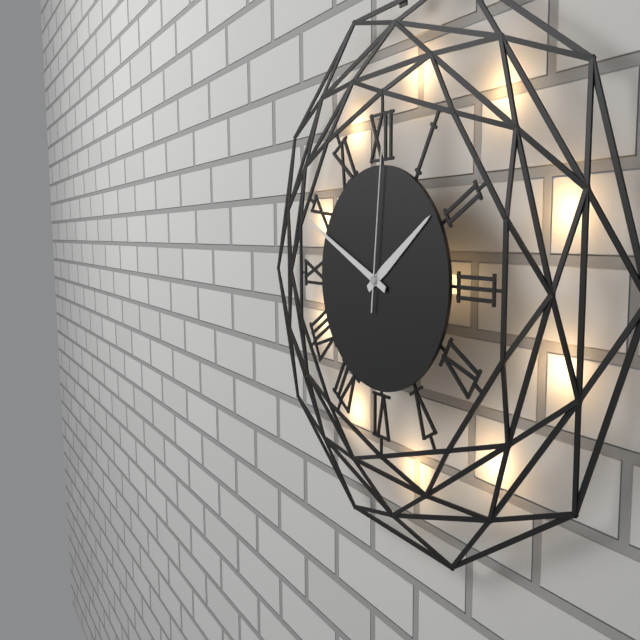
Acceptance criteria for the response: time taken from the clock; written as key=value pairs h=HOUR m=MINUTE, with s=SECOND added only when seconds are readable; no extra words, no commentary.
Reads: h=1 m=49 s=1
